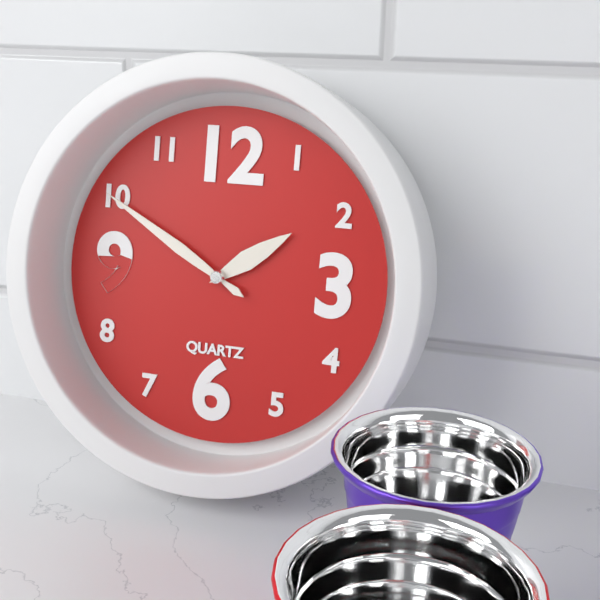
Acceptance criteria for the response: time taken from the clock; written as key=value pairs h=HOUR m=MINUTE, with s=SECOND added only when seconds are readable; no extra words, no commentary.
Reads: h=1 m=50
